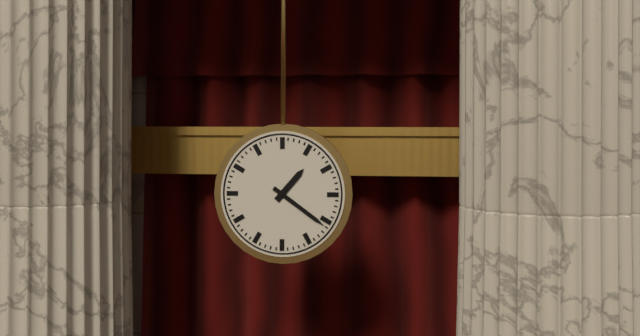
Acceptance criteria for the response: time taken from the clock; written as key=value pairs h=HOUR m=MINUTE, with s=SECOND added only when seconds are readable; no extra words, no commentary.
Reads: h=1 m=21
